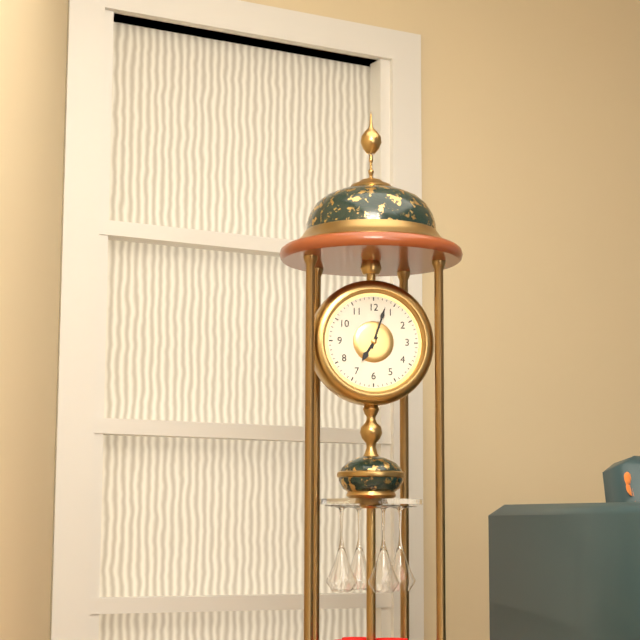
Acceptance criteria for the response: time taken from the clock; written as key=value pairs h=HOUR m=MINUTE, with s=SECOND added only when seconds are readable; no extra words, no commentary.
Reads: h=7 m=3
